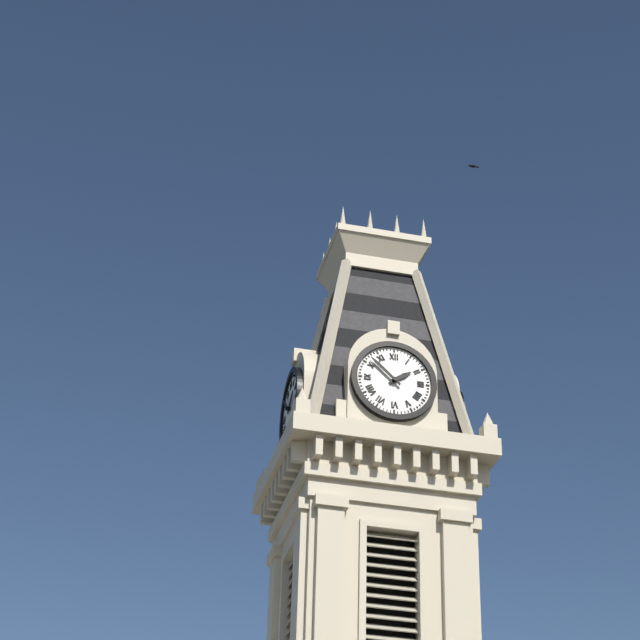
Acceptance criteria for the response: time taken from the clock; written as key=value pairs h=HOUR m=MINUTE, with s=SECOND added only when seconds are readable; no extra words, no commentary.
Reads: h=1 m=52
